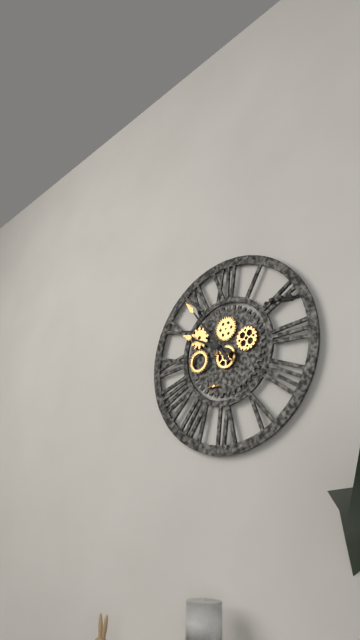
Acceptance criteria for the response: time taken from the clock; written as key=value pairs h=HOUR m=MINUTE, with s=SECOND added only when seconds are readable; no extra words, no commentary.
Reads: h=9 m=54
